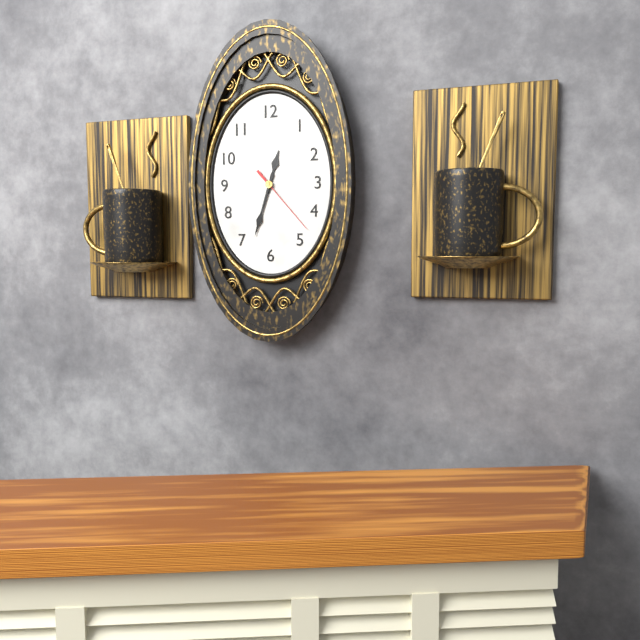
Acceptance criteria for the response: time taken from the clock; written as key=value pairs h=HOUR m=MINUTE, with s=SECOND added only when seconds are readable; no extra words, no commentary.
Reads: h=12 m=33 s=23
